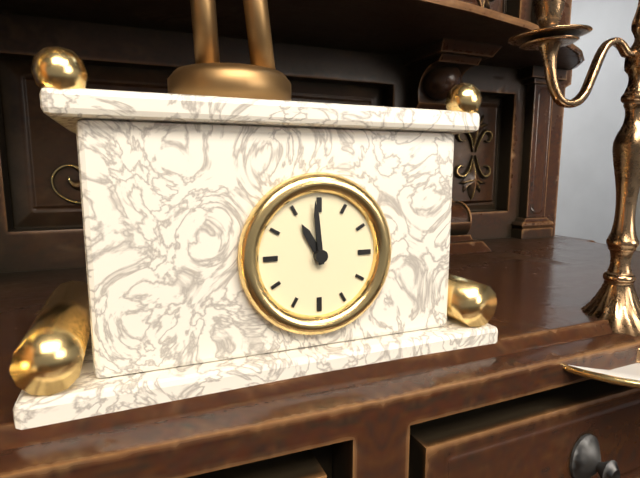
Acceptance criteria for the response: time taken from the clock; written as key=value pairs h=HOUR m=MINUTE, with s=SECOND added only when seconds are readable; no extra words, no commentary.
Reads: h=10 m=59
